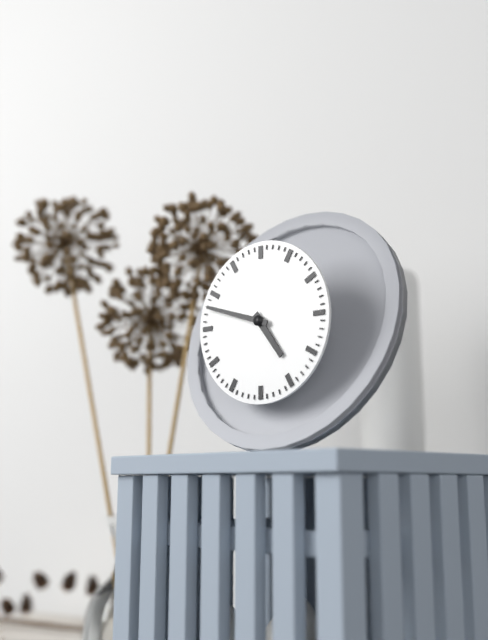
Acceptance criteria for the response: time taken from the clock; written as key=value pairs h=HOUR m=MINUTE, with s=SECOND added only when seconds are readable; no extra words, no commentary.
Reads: h=4 m=48
